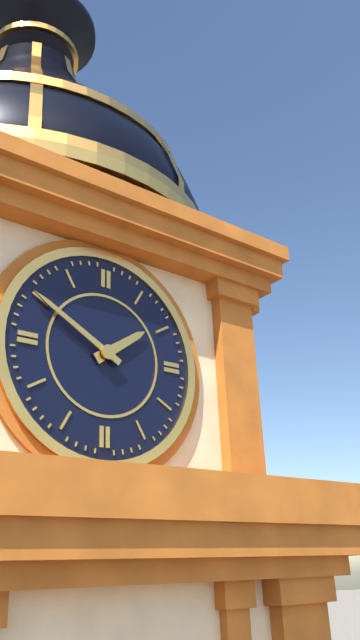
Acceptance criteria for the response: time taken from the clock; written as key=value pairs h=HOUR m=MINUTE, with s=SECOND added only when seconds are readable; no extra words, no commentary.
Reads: h=1 m=50
